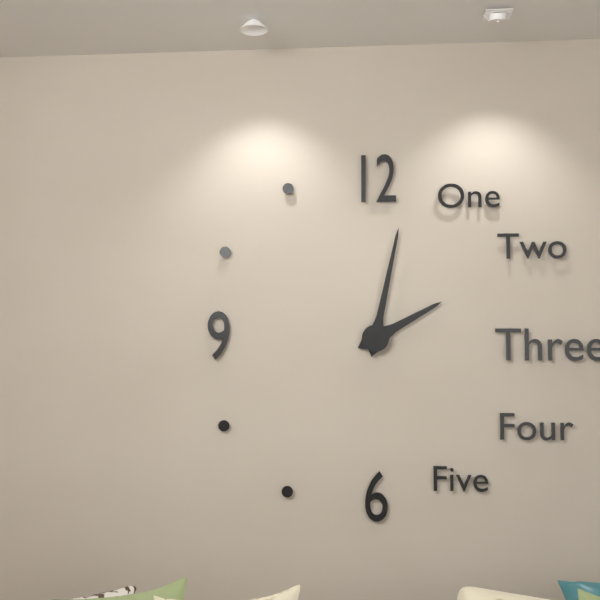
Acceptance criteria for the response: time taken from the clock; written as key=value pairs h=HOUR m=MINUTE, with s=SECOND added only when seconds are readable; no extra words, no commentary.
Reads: h=2 m=2
